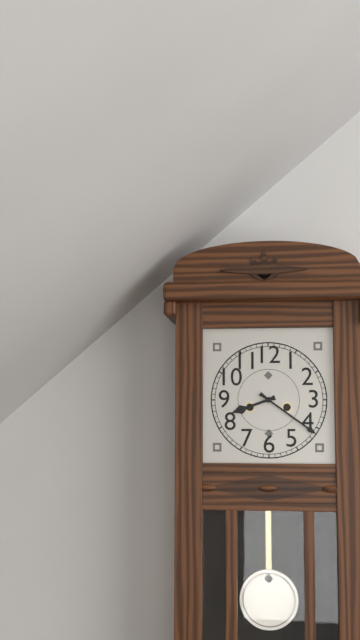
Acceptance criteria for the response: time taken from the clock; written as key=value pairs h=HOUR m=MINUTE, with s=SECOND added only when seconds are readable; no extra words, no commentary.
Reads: h=8 m=21
